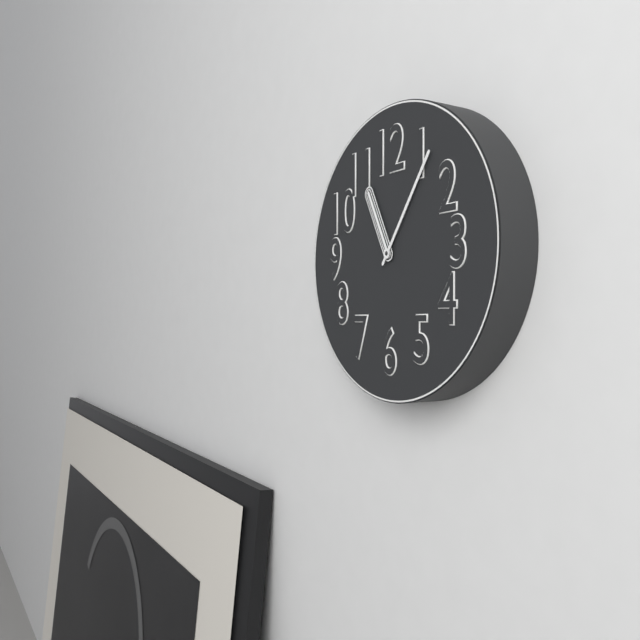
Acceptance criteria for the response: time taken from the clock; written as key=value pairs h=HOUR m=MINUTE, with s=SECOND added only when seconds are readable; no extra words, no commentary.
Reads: h=11 m=6
